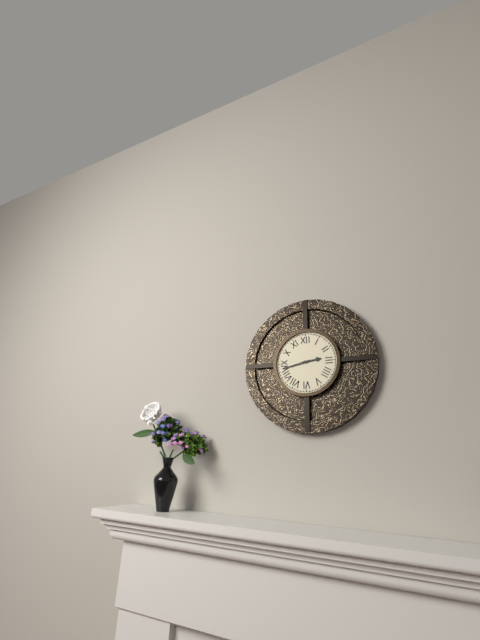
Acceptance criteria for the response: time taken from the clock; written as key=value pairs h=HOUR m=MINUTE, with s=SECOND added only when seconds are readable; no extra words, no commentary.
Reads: h=2 m=43
